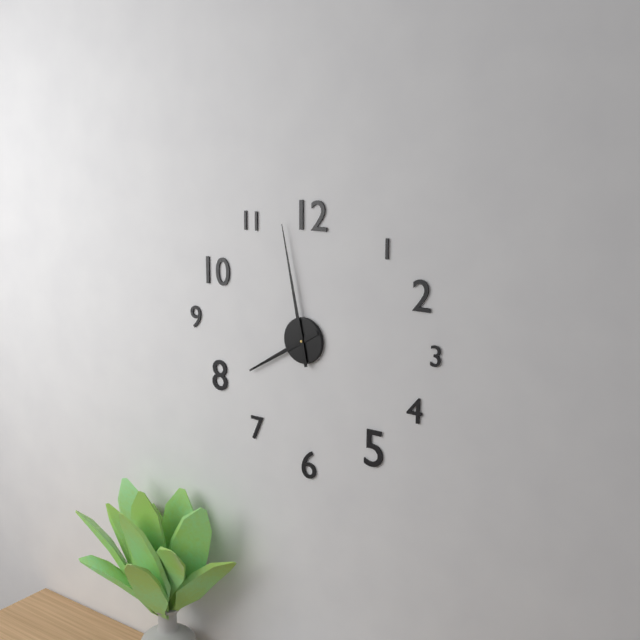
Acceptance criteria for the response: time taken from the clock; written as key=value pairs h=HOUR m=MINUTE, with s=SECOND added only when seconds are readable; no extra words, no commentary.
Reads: h=7 m=58
